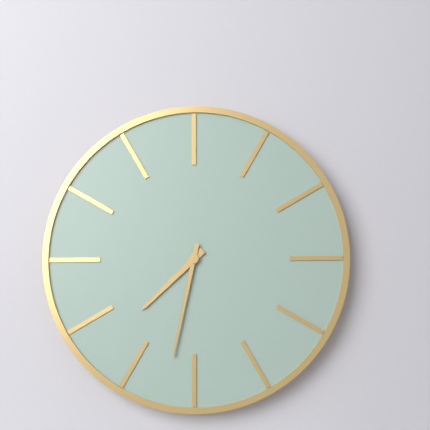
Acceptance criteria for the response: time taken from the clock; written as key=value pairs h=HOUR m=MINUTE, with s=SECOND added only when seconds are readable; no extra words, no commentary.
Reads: h=7 m=32
